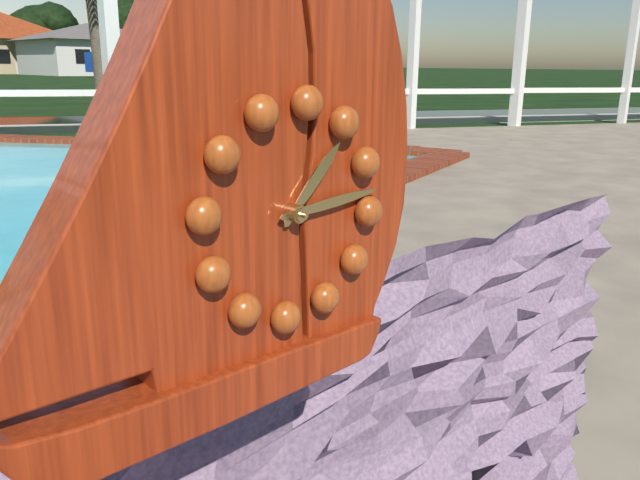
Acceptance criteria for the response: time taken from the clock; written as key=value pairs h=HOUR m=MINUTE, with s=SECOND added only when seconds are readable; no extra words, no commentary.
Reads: h=1 m=13
